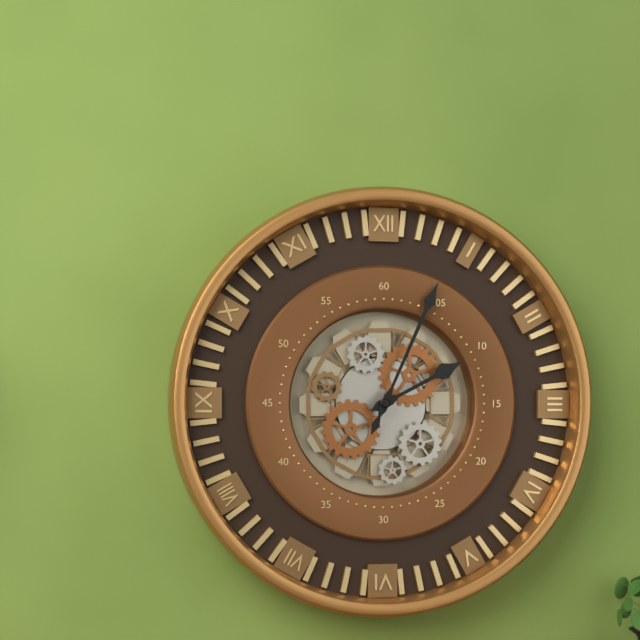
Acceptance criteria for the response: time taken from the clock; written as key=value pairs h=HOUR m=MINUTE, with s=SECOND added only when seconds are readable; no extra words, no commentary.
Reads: h=2 m=4
